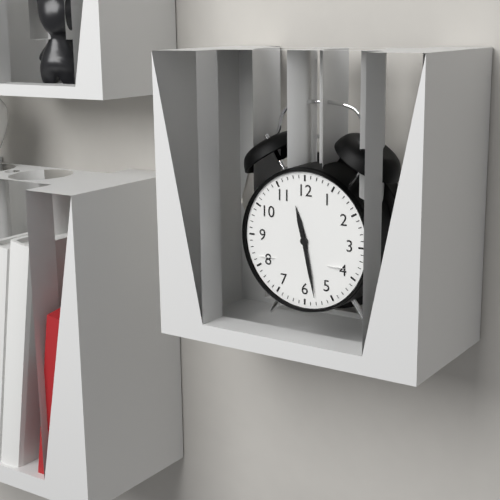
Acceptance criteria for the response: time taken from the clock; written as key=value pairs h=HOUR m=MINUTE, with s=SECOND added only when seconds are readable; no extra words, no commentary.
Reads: h=11 m=28
